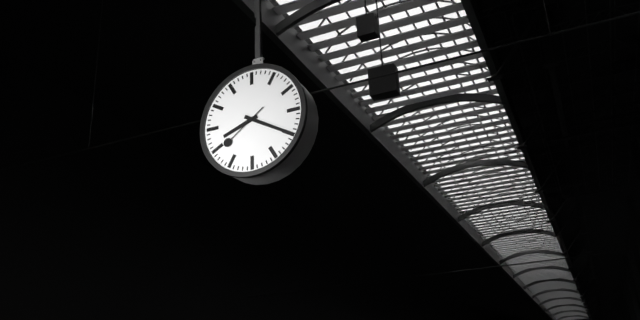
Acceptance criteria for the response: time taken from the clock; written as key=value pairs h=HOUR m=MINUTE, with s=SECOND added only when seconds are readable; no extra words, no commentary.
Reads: h=8 m=20
